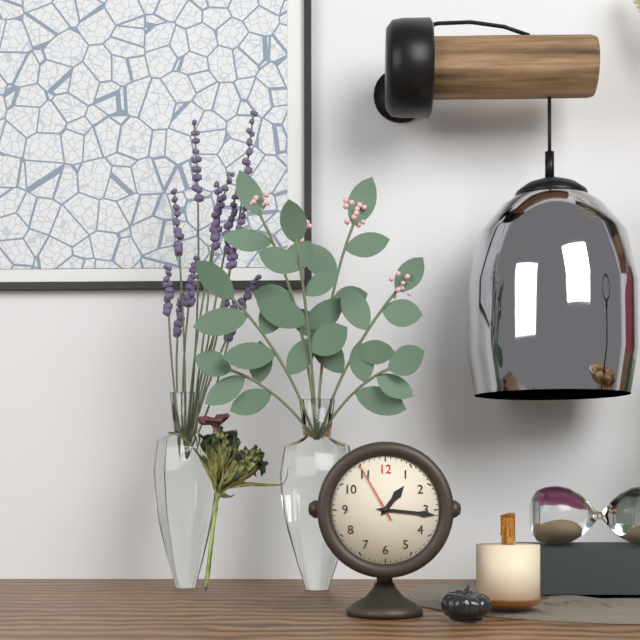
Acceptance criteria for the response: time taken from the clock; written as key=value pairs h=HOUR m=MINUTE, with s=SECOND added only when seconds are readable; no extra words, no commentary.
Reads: h=1 m=16 s=55
